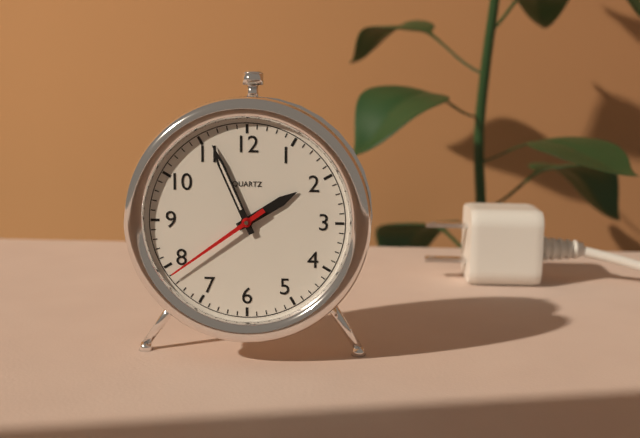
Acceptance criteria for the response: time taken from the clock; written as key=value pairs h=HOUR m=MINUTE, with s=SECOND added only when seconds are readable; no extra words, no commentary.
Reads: h=1 m=56 s=39
